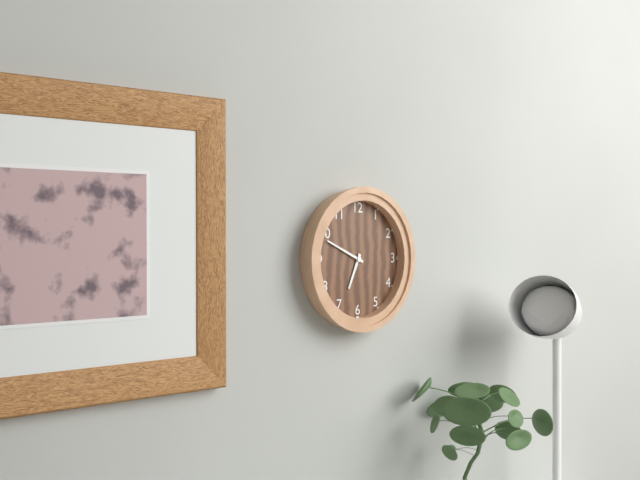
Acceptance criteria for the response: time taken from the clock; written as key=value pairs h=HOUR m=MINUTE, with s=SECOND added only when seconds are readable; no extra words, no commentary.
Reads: h=6 m=49
